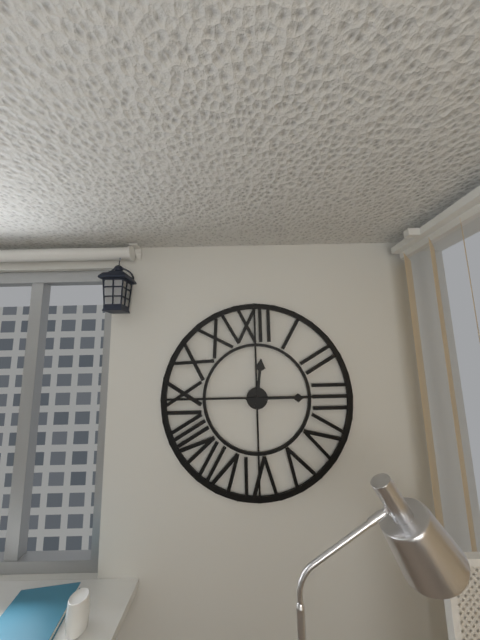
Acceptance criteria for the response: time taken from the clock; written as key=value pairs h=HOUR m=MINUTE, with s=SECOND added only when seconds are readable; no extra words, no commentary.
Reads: h=12 m=15
